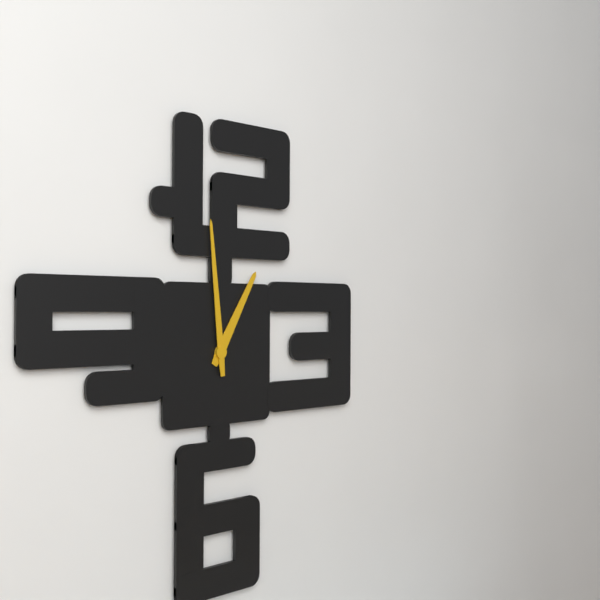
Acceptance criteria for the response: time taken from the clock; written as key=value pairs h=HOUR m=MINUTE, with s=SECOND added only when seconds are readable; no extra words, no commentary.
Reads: h=12 m=59
